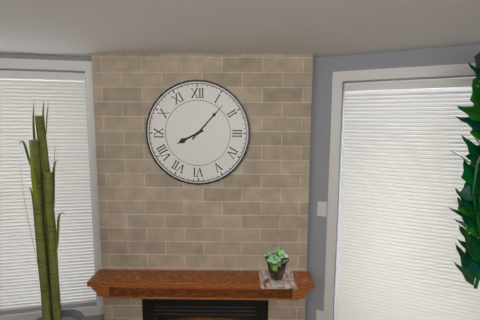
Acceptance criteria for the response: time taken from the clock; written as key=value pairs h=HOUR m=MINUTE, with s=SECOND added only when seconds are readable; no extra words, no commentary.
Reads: h=8 m=7
